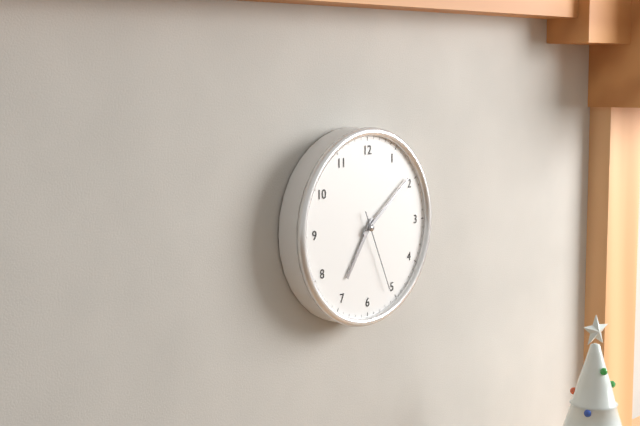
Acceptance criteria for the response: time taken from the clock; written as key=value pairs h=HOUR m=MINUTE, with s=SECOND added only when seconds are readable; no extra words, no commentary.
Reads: h=7 m=9 s=26
